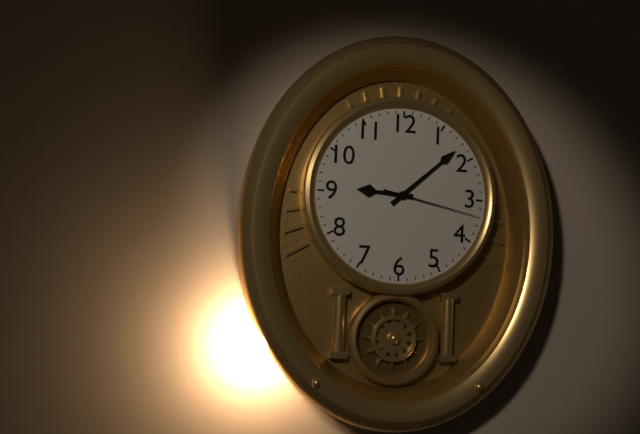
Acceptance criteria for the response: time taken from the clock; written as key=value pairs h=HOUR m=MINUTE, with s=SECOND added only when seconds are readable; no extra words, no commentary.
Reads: h=9 m=8 s=17
